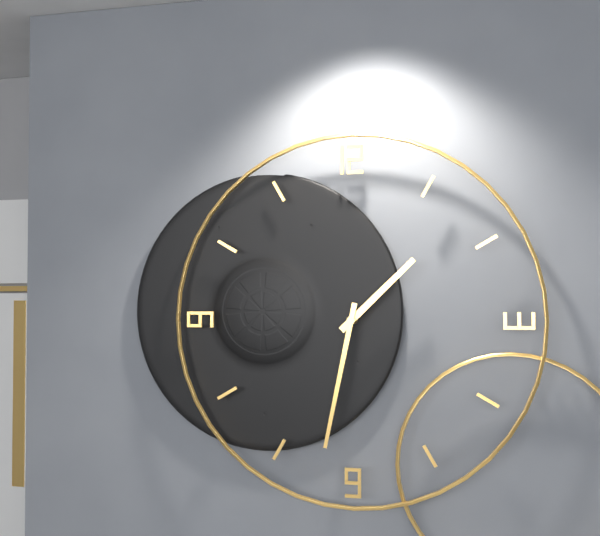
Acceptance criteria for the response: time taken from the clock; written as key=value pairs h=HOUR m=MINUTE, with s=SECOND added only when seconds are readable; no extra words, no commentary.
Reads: h=1 m=32
